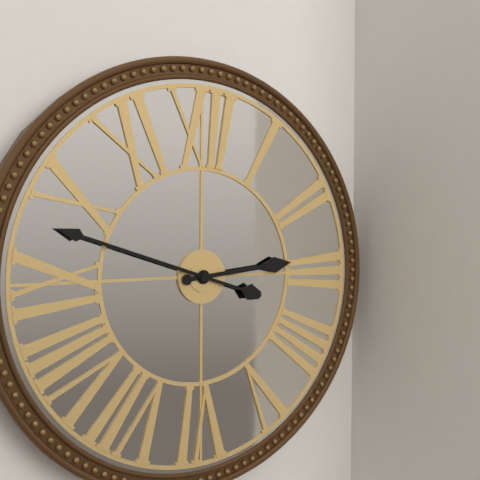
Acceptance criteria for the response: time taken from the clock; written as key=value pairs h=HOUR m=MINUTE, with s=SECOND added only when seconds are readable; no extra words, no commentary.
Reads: h=2 m=48
